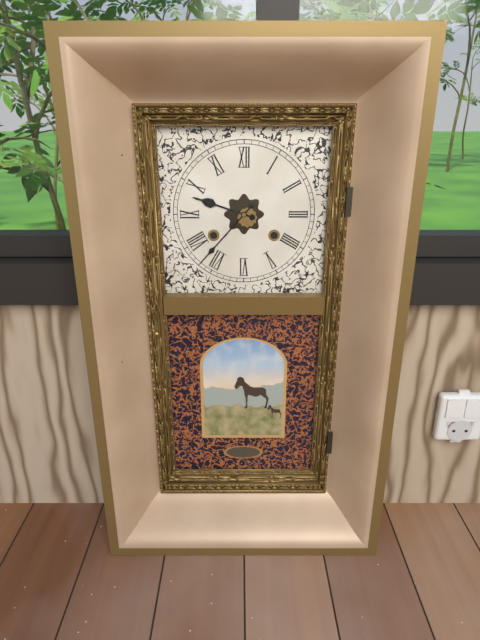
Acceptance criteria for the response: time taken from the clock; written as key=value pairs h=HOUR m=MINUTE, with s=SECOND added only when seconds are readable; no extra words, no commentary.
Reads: h=9 m=37
